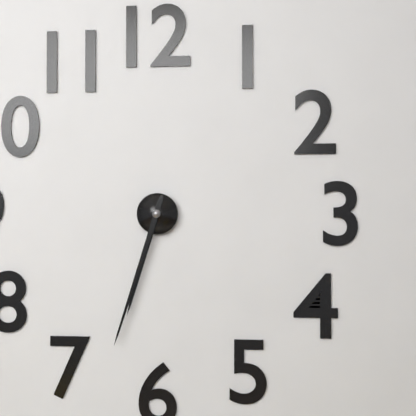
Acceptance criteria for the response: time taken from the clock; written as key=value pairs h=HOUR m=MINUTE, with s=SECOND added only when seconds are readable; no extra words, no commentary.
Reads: h=6 m=33
